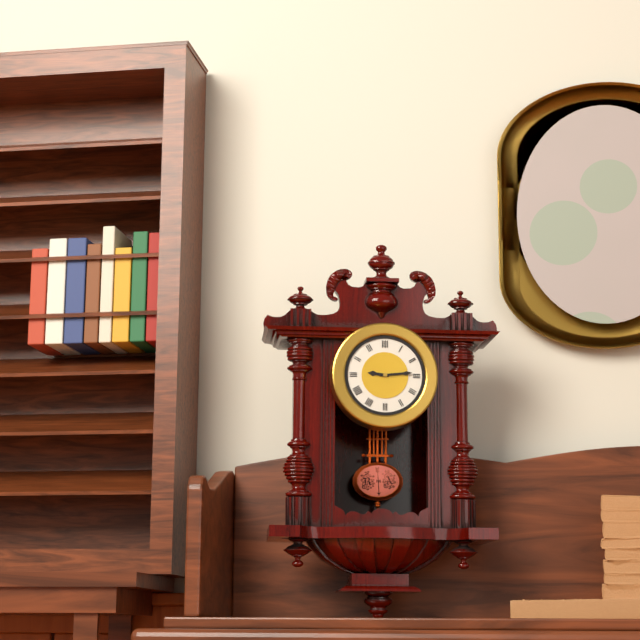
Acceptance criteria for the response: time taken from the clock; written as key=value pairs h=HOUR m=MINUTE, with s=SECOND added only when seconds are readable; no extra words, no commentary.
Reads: h=9 m=14
